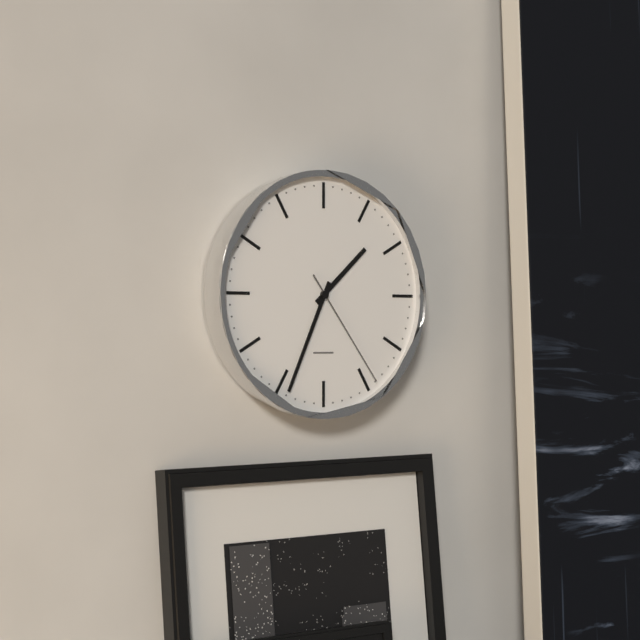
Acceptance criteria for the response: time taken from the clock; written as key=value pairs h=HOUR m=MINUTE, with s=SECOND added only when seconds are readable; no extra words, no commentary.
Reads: h=1 m=34 s=24
